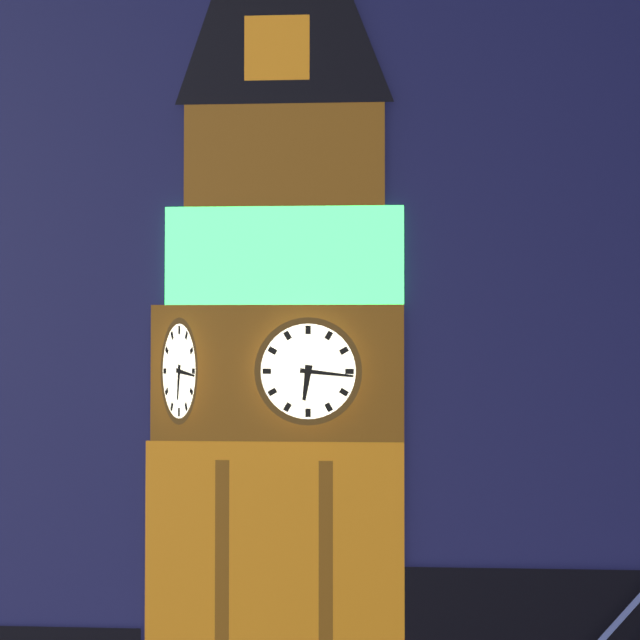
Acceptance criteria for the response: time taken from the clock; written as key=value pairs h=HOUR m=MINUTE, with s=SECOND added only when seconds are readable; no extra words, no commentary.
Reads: h=6 m=16
